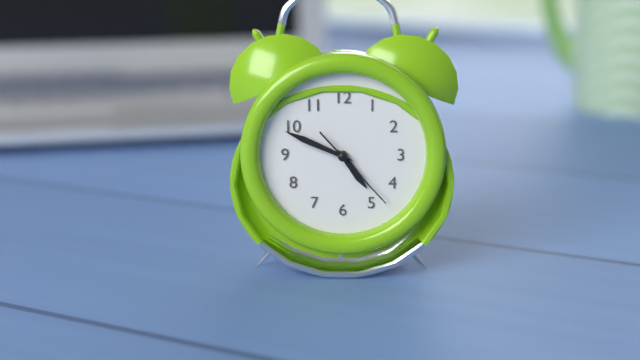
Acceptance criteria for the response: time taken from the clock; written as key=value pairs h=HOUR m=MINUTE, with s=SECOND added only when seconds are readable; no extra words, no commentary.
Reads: h=4 m=49 s=23
